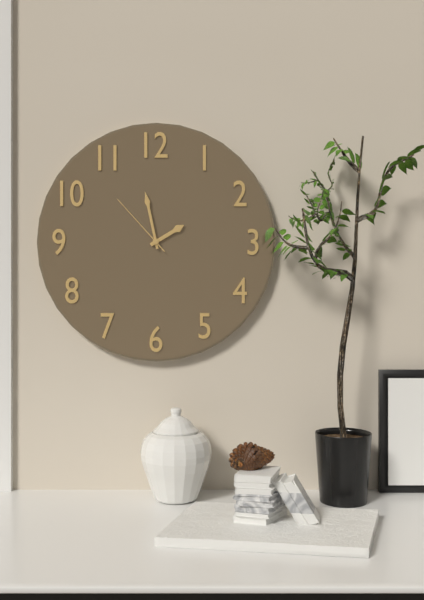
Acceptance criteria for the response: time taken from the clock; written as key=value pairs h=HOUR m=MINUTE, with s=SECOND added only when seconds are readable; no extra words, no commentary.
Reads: h=1 m=58 s=53
